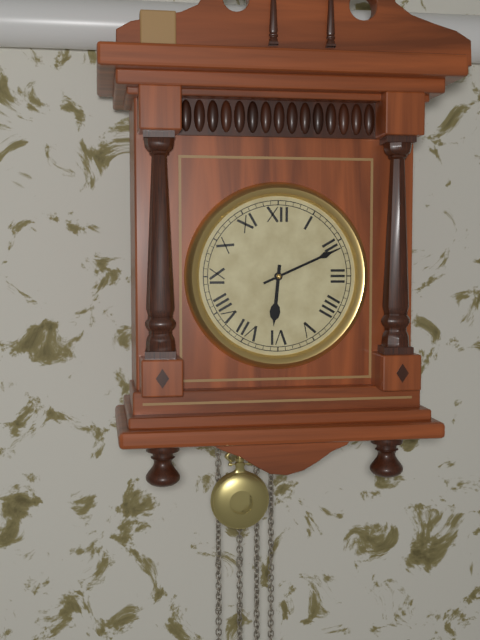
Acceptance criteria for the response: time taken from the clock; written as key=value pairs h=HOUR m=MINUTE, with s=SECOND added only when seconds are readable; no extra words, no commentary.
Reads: h=6 m=11
